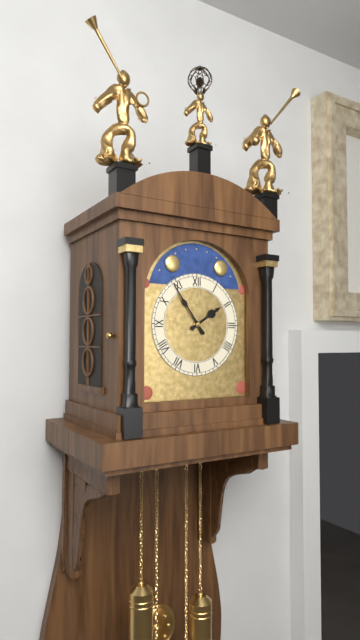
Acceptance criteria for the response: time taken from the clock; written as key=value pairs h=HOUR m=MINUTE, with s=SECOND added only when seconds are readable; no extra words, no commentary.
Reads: h=1 m=54
